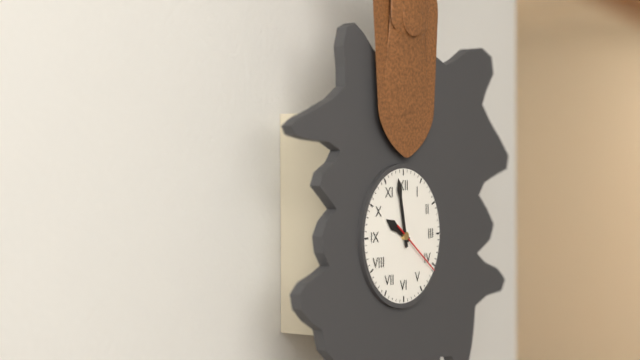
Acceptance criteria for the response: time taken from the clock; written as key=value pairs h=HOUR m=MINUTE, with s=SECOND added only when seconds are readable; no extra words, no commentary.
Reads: h=9 m=58 s=21
